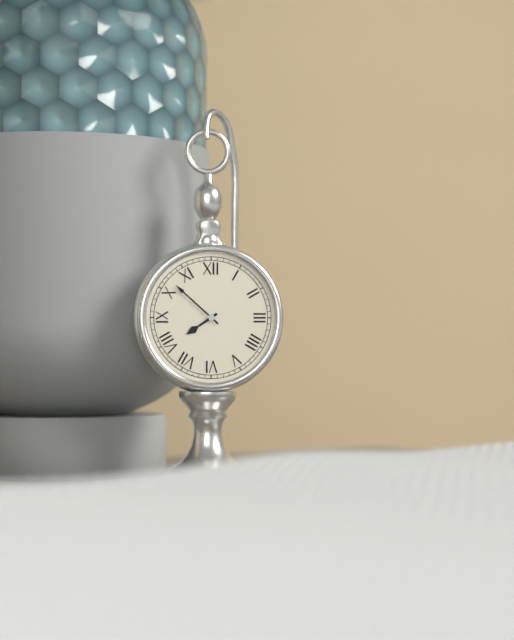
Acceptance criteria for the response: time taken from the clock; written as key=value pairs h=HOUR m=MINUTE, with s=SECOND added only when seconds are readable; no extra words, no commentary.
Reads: h=7 m=52
